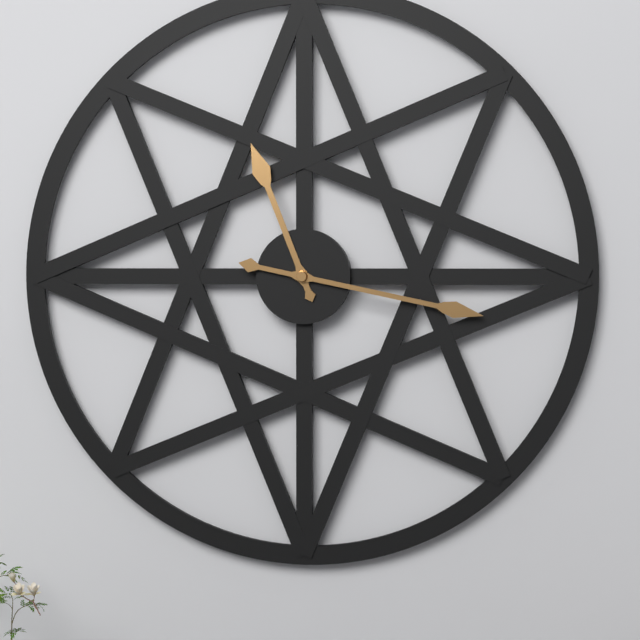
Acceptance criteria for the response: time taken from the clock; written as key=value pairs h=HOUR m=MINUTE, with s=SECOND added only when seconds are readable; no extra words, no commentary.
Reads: h=11 m=17
